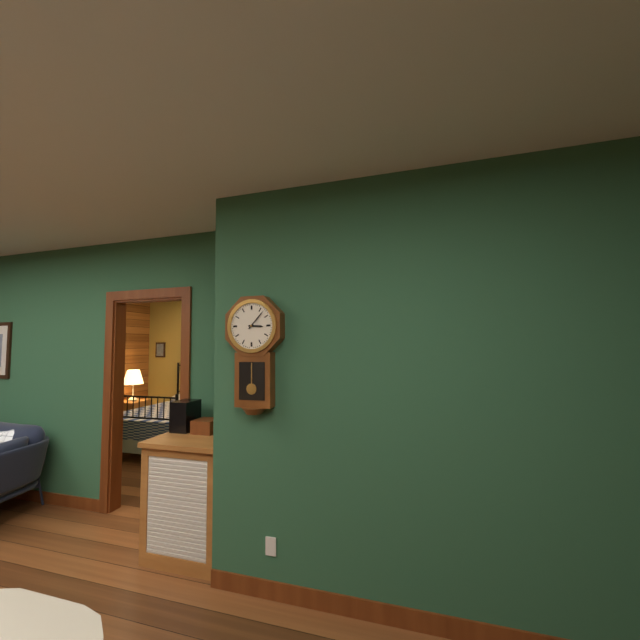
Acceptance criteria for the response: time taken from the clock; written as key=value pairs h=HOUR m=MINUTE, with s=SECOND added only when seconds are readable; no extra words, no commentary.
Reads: h=3 m=7
